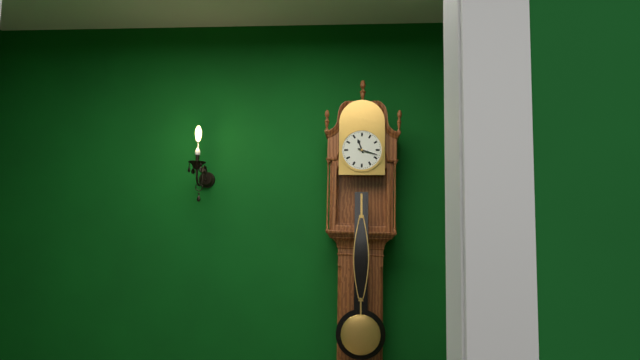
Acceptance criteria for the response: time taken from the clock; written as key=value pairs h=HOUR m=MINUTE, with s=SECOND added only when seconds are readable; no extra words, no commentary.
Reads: h=11 m=18
